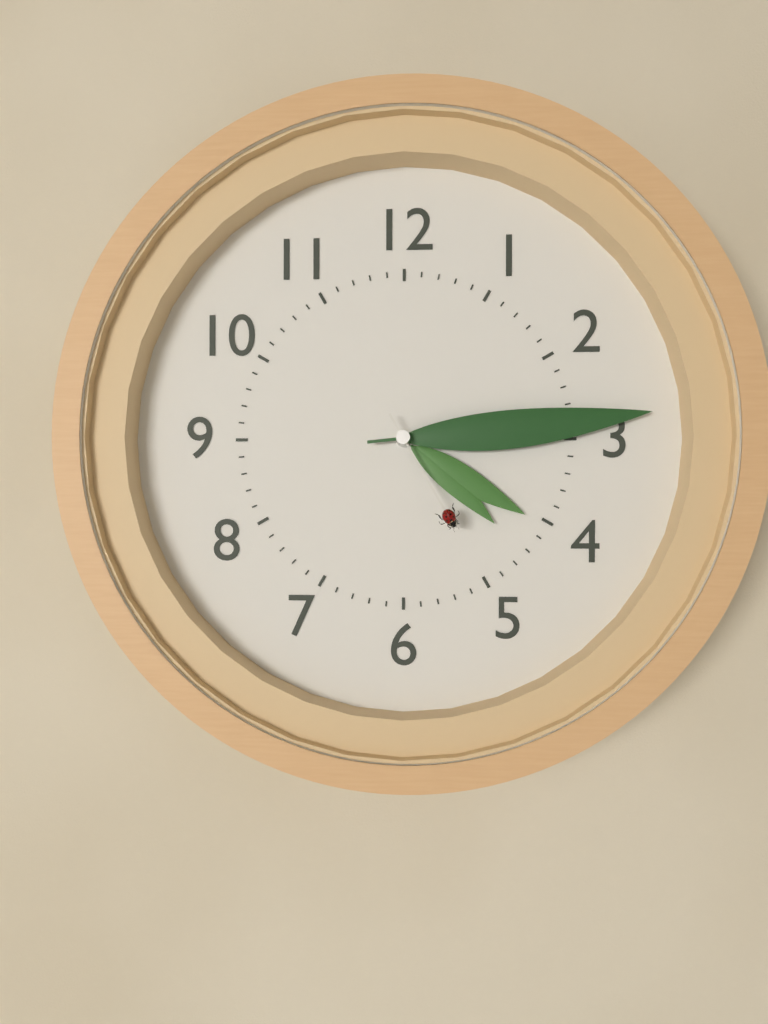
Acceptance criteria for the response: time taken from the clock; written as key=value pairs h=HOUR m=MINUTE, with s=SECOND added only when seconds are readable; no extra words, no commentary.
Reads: h=4 m=14 s=25
